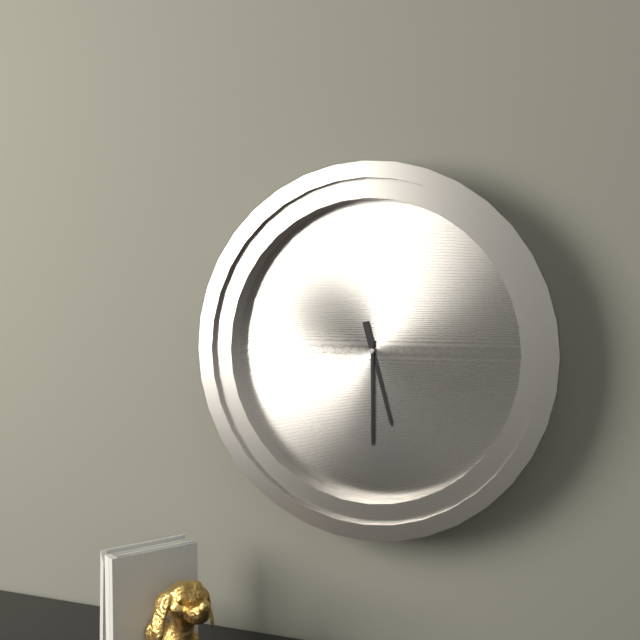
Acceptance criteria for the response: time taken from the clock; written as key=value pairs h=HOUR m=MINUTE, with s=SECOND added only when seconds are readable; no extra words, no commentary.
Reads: h=5 m=30
